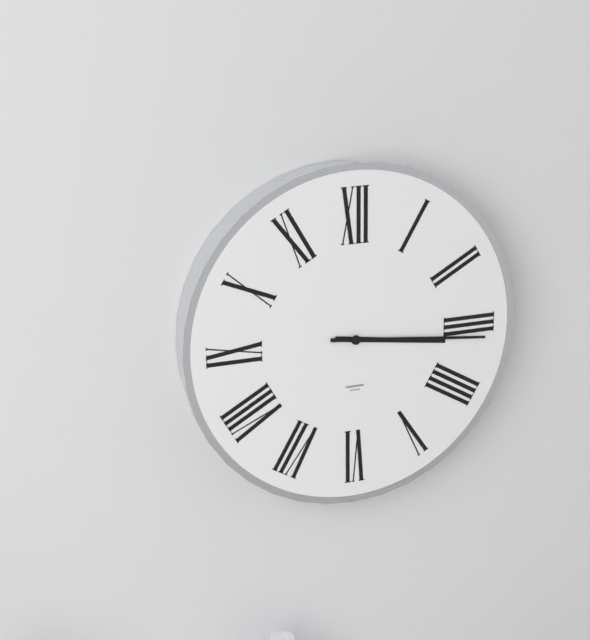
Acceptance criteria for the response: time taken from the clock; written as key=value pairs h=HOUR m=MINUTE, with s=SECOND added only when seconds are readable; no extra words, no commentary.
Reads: h=3 m=16
